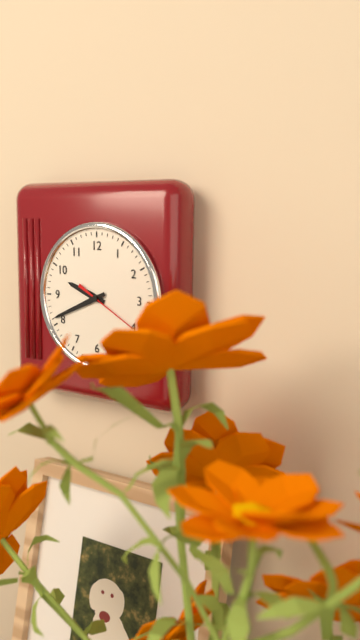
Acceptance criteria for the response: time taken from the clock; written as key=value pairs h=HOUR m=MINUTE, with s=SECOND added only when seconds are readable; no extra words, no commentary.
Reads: h=9 m=41 s=20
